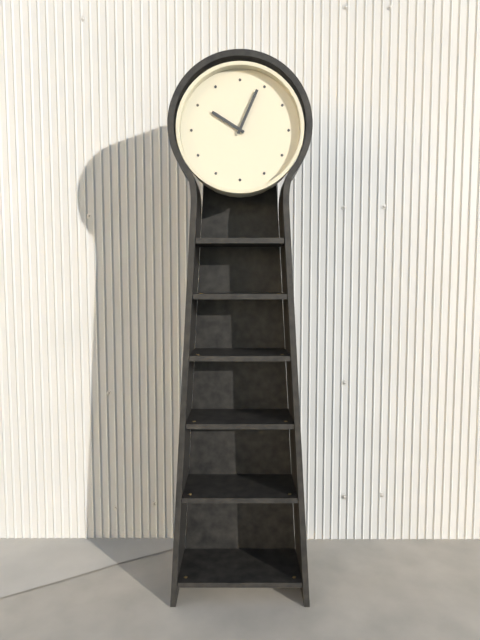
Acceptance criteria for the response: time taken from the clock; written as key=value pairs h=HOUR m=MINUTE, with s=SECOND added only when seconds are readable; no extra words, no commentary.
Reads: h=10 m=4
